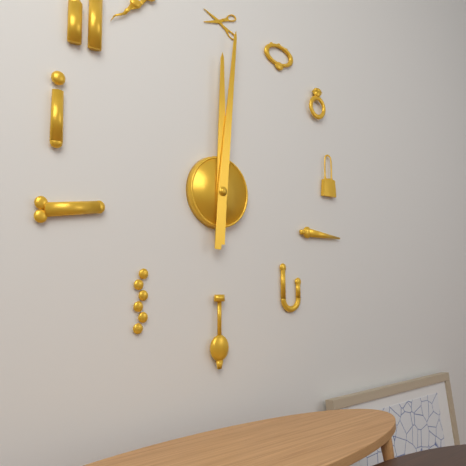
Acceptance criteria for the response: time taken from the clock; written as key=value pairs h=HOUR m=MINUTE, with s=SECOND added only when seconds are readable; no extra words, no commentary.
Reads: h=12 m=1
